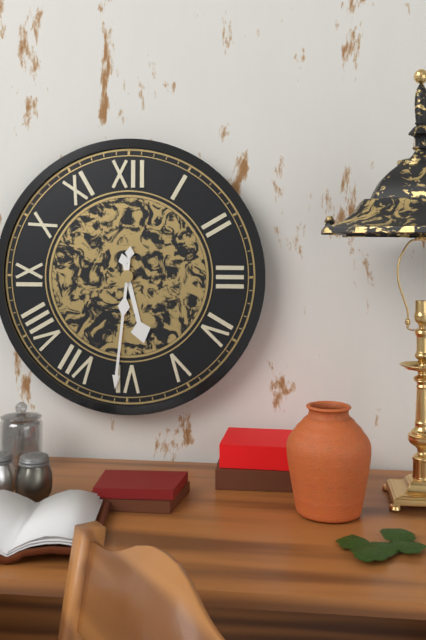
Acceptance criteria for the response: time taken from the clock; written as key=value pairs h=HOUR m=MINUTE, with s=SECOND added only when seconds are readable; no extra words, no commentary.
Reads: h=5 m=31
